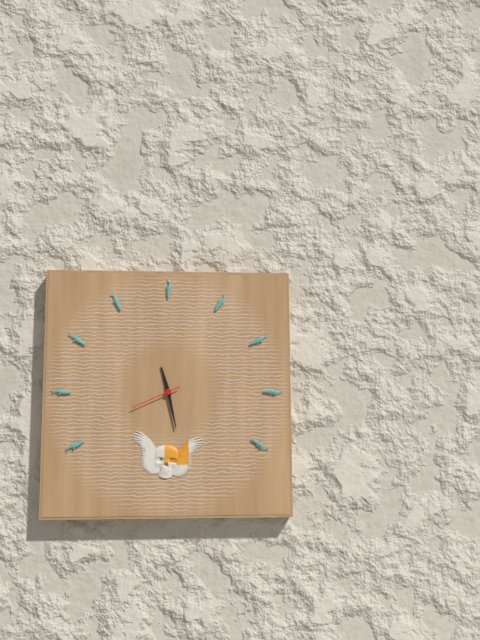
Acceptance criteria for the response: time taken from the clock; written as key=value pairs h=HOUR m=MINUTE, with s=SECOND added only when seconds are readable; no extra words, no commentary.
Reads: h=11 m=28 s=41
